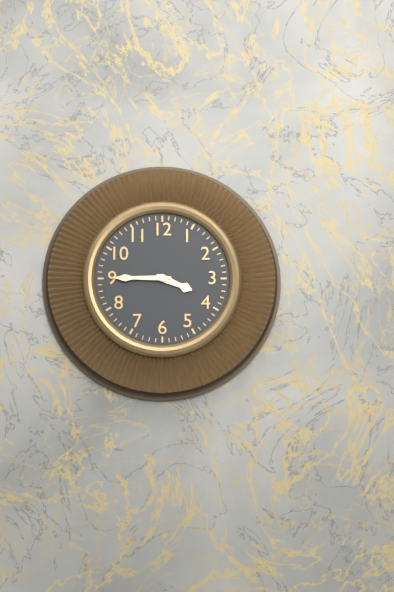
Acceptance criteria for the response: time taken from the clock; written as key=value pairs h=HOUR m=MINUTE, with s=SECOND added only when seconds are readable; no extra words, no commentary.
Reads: h=3 m=45
